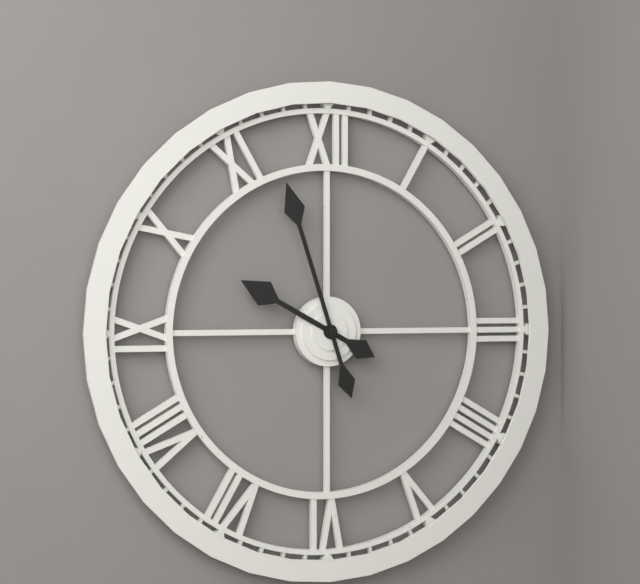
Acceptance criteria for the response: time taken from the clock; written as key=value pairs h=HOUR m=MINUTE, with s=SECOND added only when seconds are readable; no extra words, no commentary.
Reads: h=9 m=57
